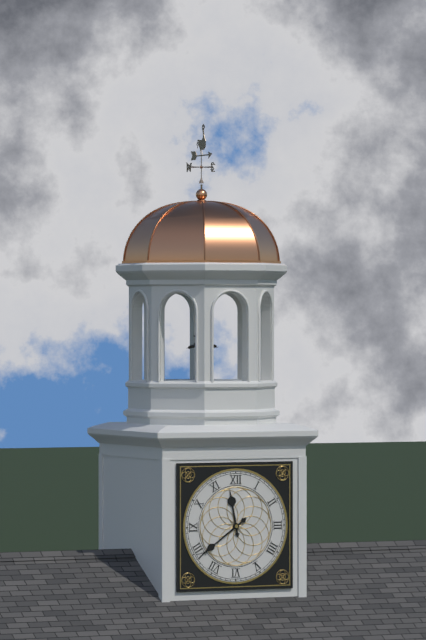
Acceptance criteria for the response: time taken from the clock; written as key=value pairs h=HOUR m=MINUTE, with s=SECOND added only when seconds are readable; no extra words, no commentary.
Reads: h=11 m=39
